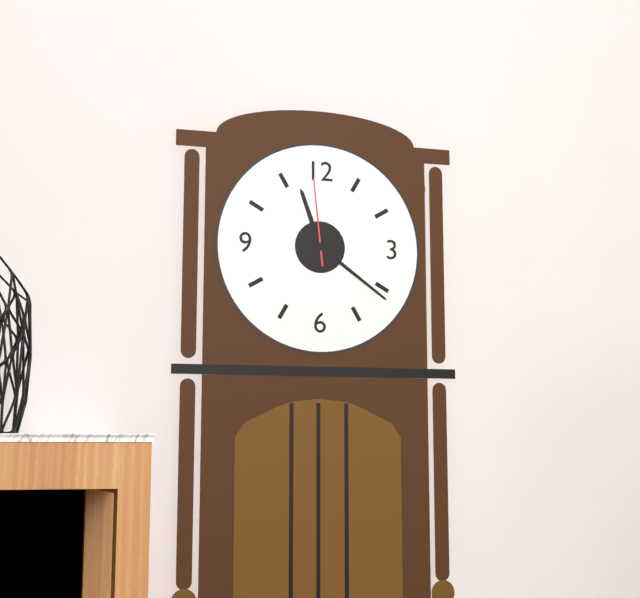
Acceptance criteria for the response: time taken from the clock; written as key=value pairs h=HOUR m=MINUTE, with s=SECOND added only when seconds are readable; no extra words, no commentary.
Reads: h=11 m=21 s=59
